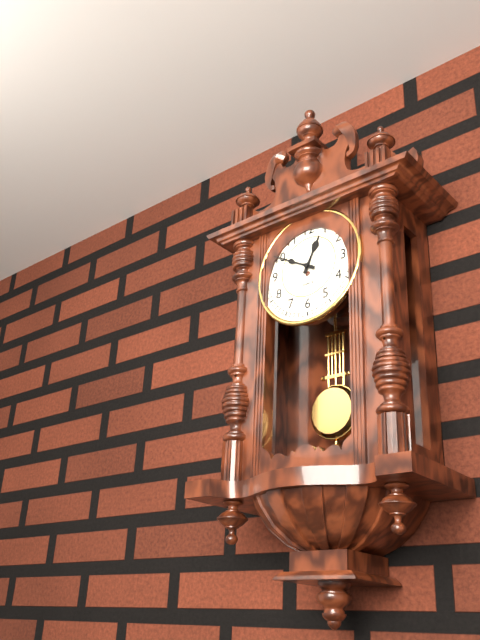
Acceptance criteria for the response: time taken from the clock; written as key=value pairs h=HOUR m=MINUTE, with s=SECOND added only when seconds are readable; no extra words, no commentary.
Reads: h=12 m=50
